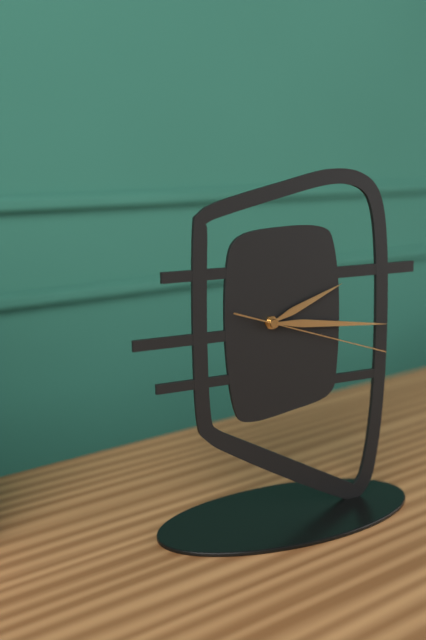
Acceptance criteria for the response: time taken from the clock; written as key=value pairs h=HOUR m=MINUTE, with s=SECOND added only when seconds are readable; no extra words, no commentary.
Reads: h=2 m=16 s=18
